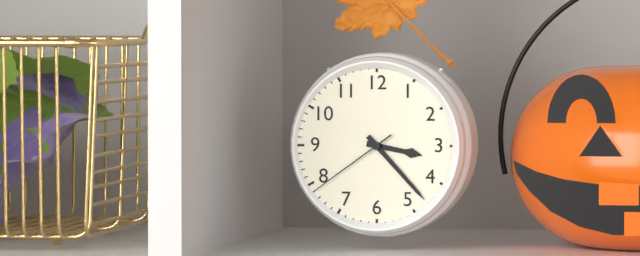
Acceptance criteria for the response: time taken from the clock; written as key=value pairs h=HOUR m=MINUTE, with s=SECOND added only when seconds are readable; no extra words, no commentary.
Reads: h=3 m=23 s=39
